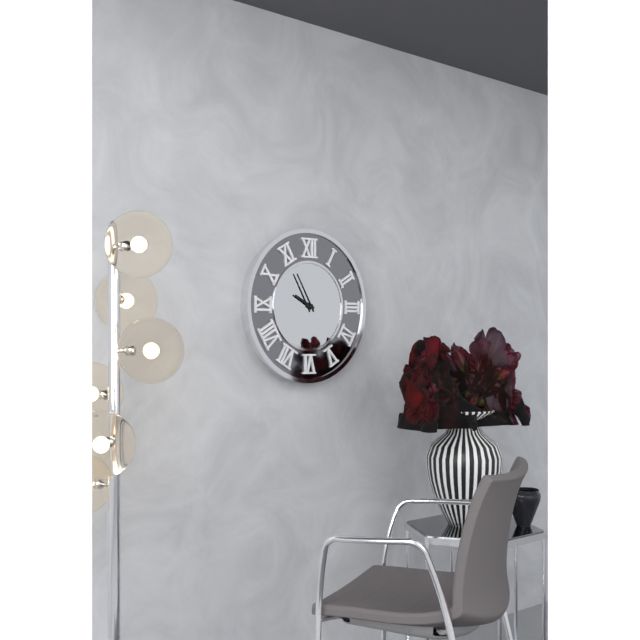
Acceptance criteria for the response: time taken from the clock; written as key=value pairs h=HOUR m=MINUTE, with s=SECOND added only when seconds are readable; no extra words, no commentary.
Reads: h=9 m=55
